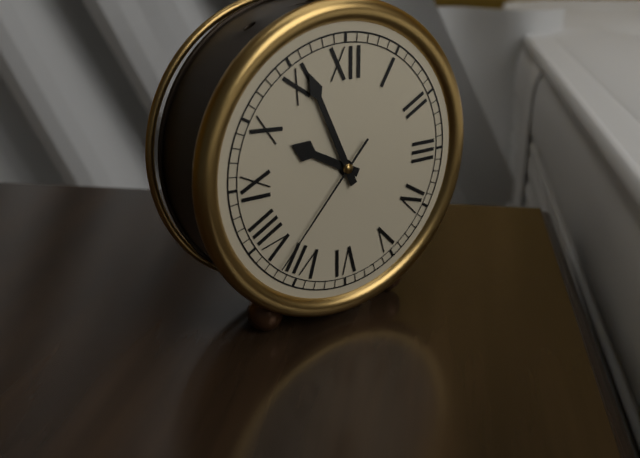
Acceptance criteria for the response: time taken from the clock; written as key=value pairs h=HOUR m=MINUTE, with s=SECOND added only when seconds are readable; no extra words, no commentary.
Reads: h=9 m=56 s=37
